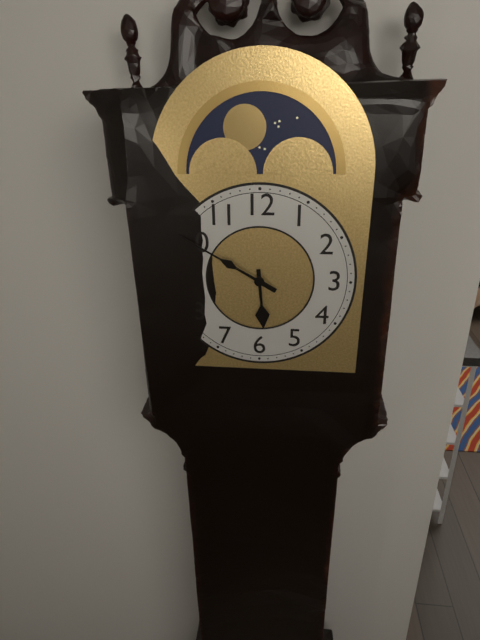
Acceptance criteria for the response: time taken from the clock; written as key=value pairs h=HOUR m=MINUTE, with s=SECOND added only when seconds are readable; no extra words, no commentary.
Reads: h=5 m=50
